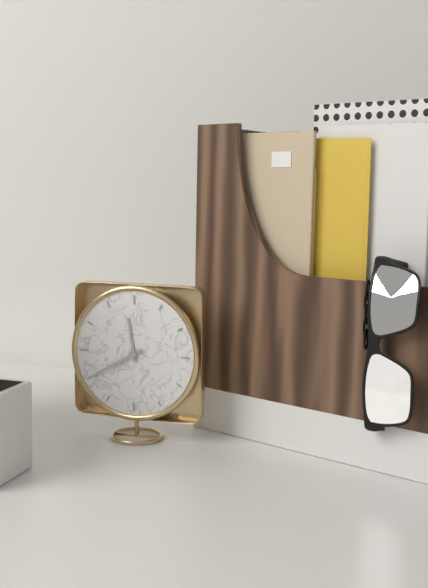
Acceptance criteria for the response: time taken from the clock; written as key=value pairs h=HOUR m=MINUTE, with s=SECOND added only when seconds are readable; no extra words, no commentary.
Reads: h=11 m=40
